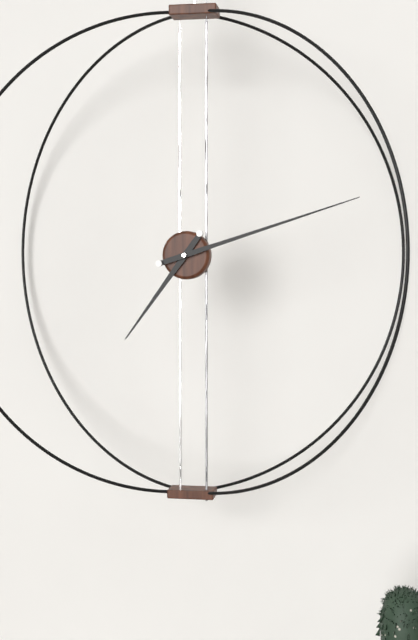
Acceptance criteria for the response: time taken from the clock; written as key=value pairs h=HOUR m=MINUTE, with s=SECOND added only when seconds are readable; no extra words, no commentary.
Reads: h=7 m=12
